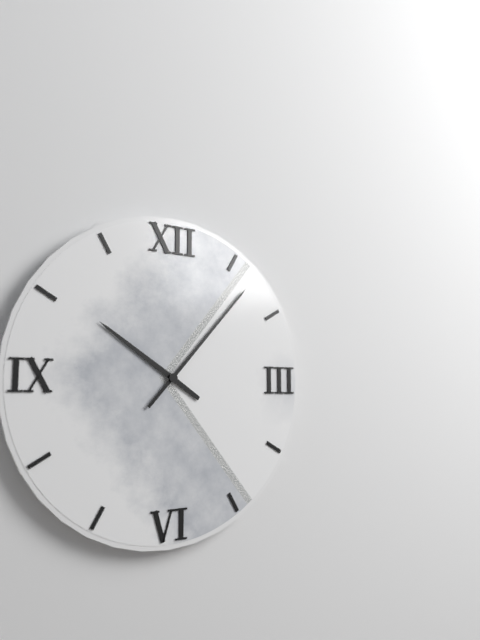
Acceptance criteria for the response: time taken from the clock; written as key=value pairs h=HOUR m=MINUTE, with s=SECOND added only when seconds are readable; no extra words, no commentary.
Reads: h=10 m=7
